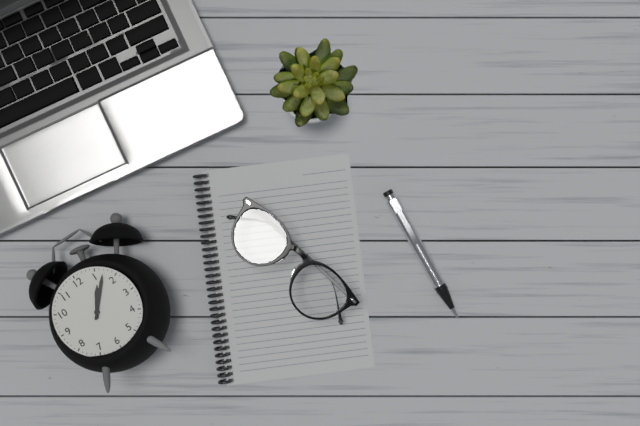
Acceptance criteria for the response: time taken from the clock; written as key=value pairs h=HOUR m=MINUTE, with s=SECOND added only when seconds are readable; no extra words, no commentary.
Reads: h=1 m=7
